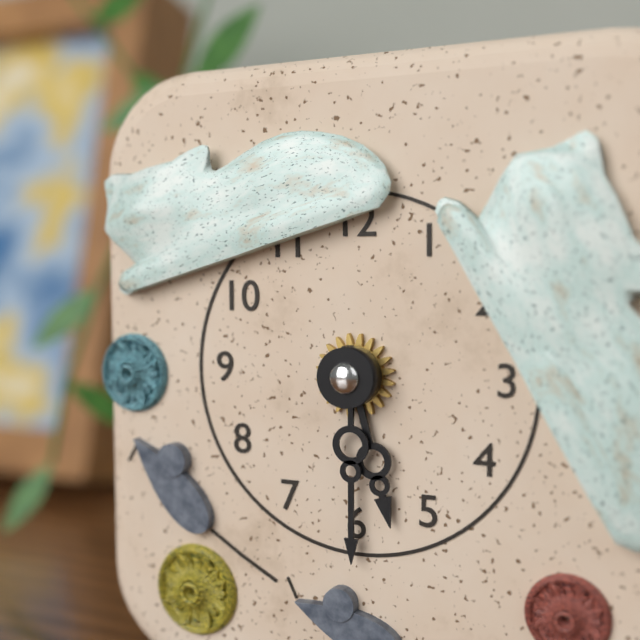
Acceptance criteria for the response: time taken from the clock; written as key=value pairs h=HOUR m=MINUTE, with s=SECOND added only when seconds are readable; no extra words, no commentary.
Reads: h=5 m=30
